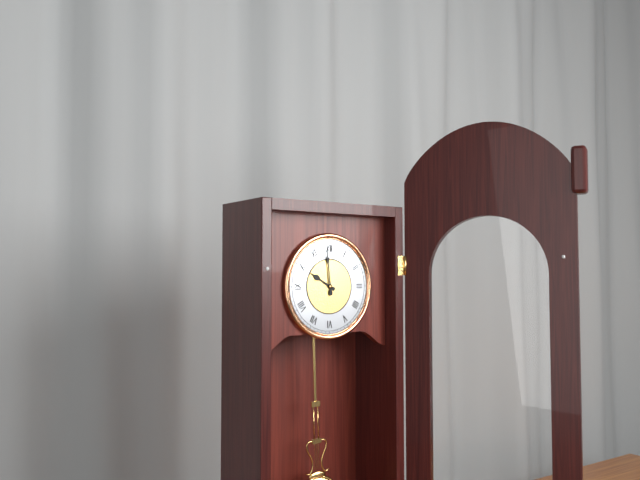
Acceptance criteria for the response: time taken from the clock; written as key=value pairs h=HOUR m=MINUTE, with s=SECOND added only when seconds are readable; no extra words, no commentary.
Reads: h=9 m=59
